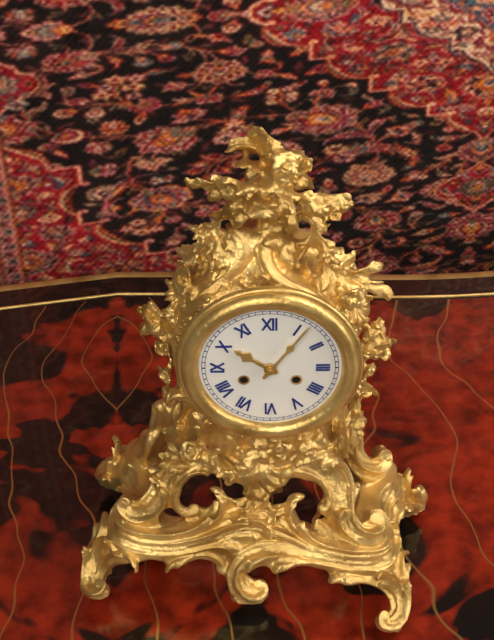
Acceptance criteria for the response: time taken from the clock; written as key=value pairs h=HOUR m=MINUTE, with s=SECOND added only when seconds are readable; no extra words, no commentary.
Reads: h=10 m=6
